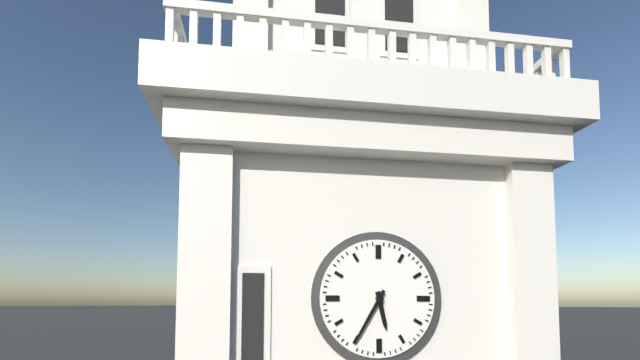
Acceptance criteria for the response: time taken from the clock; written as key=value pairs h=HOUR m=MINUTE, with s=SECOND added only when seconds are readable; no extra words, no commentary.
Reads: h=5 m=35
